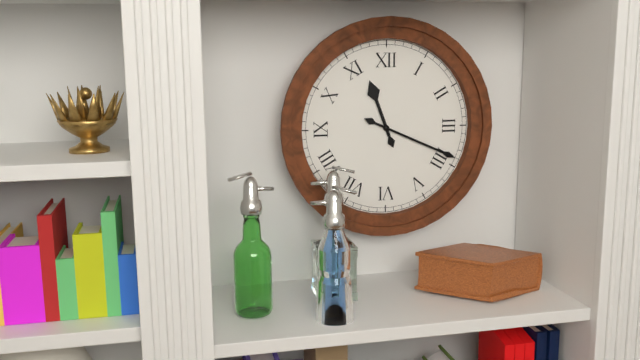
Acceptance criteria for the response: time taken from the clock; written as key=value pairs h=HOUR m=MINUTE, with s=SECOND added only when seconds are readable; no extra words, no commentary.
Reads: h=11 m=19
